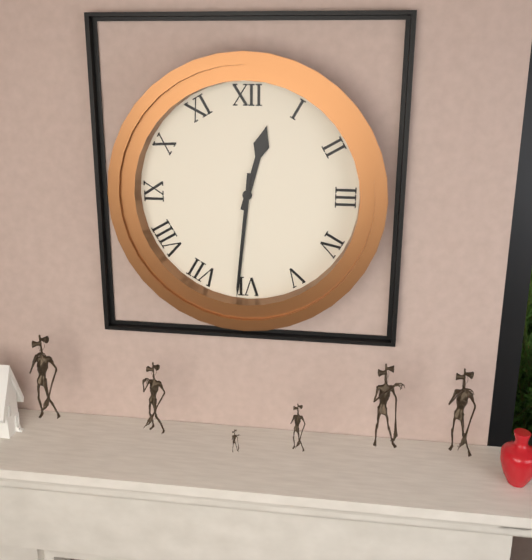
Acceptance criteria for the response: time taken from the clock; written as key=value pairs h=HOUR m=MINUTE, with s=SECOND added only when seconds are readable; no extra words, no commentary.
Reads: h=12 m=31
